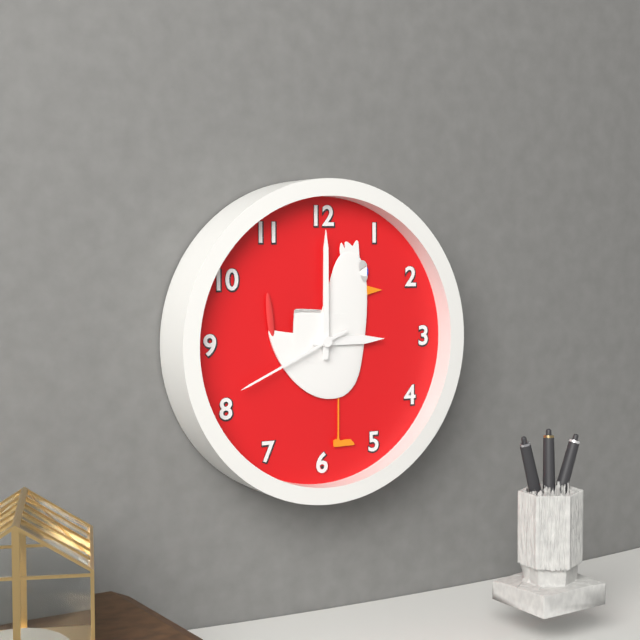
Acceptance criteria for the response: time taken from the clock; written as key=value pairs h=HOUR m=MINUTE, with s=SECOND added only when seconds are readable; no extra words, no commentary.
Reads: h=3 m=0 s=41
